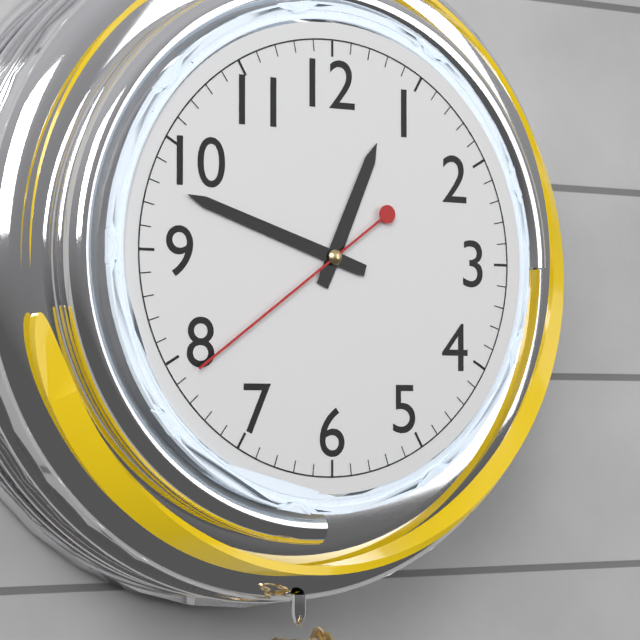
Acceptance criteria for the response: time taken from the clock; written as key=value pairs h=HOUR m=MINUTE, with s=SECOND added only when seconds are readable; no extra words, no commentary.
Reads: h=12 m=48 s=39
